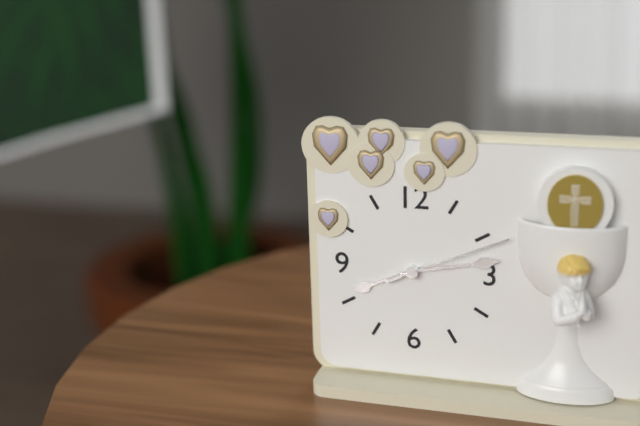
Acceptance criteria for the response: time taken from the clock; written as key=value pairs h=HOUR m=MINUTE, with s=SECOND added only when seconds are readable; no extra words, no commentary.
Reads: h=8 m=13 s=11
